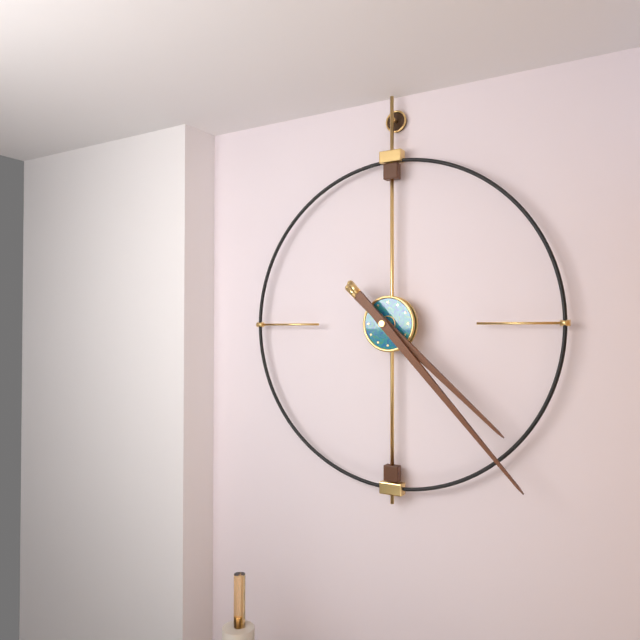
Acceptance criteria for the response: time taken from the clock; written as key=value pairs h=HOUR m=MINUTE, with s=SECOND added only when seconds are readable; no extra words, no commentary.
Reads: h=4 m=23
